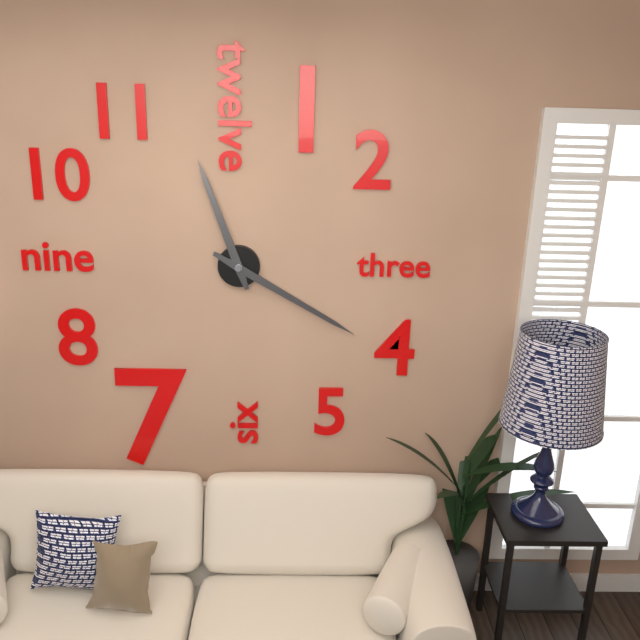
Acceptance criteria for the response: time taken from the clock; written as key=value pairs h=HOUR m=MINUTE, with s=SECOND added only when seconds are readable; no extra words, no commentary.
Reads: h=11 m=20
